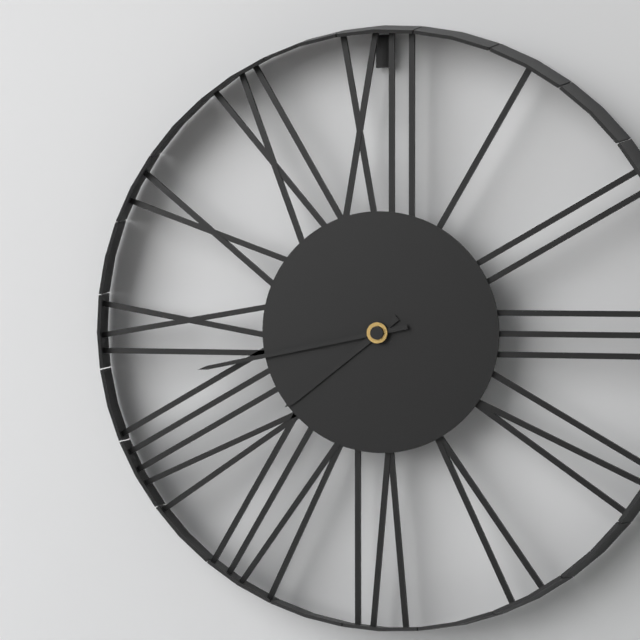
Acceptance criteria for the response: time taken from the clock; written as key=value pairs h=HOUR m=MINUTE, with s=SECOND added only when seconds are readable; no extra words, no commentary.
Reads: h=7 m=43
